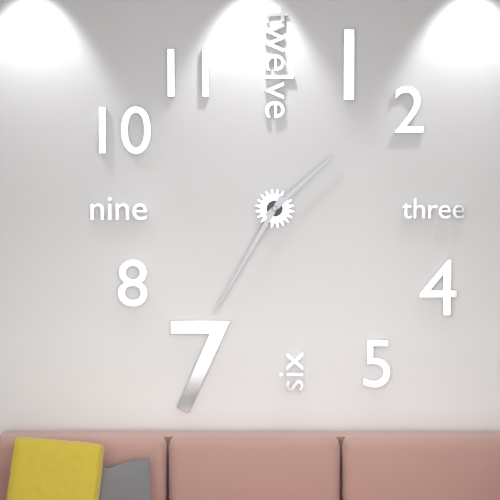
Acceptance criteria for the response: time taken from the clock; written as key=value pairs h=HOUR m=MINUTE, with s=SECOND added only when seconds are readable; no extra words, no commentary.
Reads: h=1 m=35
